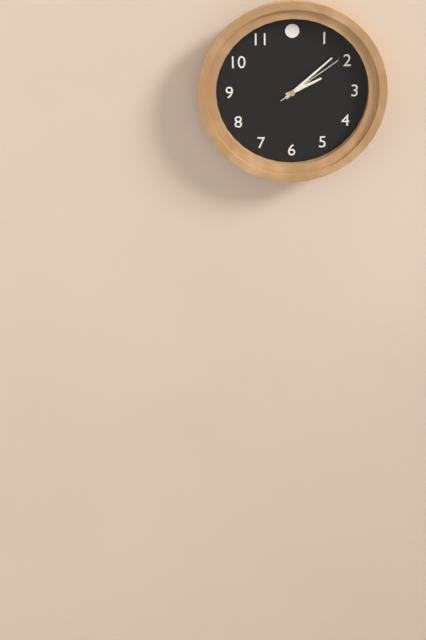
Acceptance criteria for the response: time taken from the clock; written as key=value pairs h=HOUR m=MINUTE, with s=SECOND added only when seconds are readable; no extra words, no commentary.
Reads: h=2 m=8 s=9
